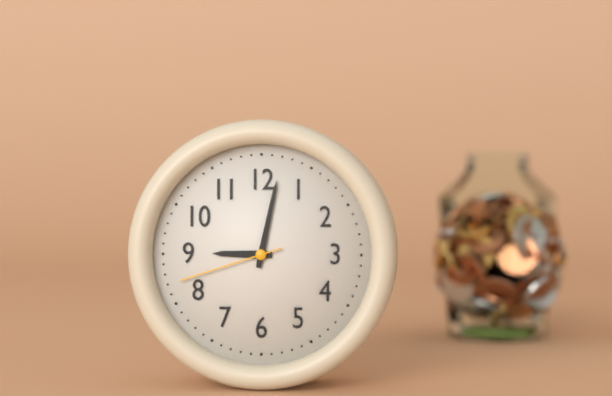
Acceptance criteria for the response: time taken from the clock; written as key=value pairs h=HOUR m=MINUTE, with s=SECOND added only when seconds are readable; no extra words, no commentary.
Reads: h=9 m=2 s=42
